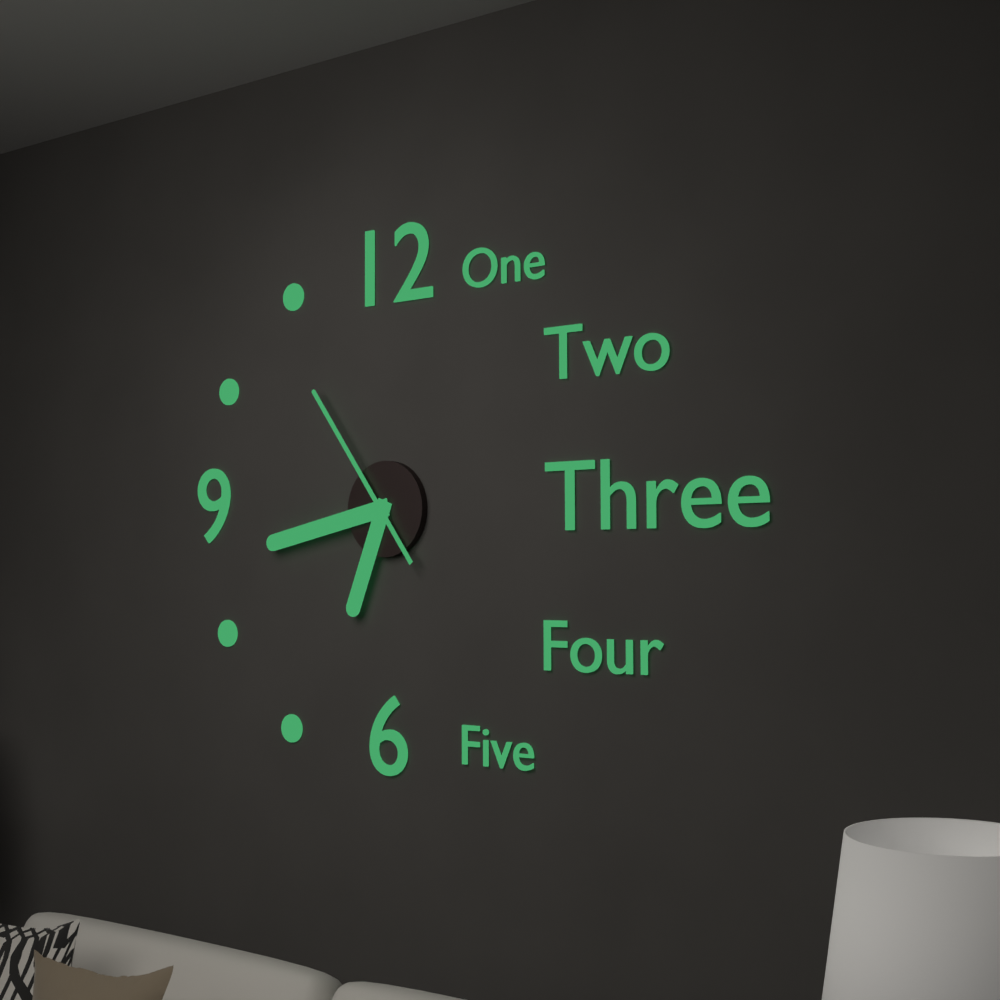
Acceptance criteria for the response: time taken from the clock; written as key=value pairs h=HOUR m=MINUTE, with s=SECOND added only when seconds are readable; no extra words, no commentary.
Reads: h=6 m=43 s=54
